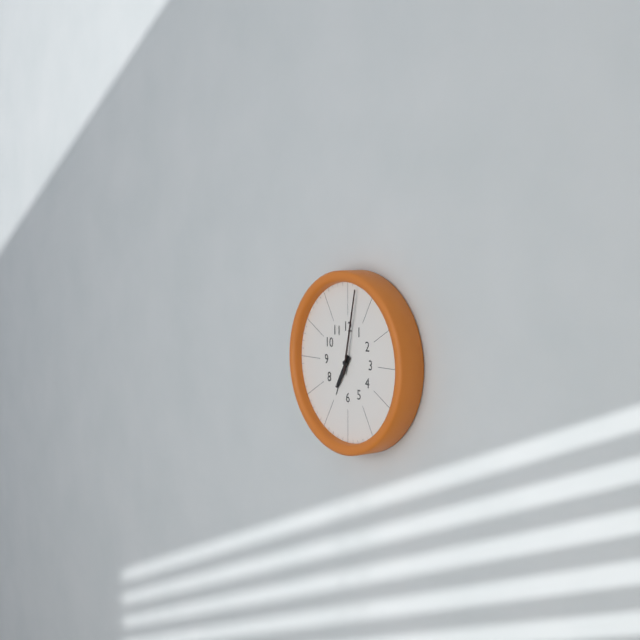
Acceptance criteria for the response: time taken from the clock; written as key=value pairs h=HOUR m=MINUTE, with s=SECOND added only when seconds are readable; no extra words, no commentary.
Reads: h=7 m=2
